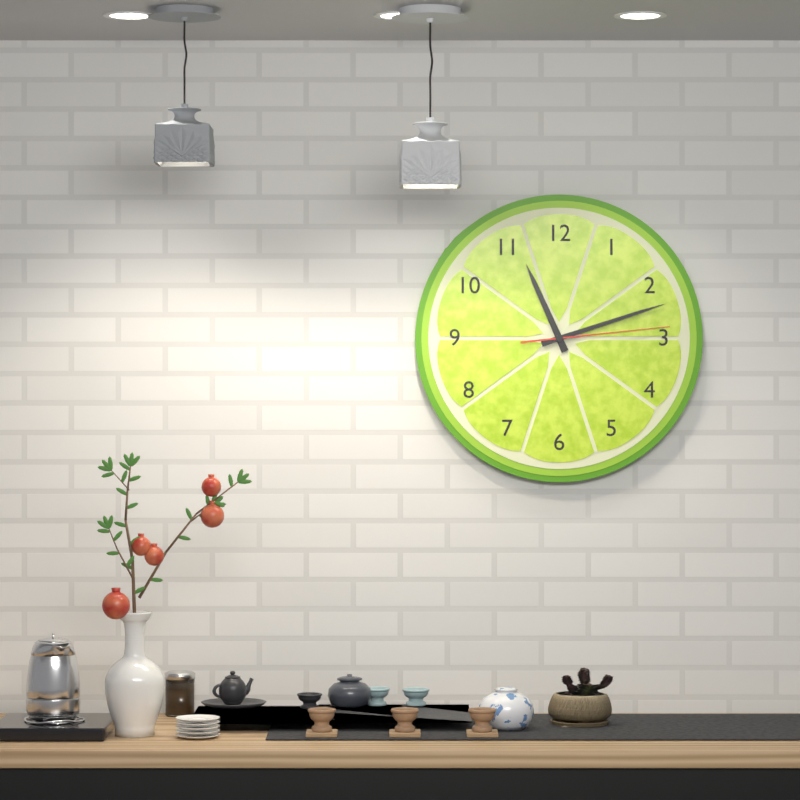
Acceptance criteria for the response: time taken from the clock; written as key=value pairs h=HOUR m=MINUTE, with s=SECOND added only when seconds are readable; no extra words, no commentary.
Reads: h=11 m=12 s=14
